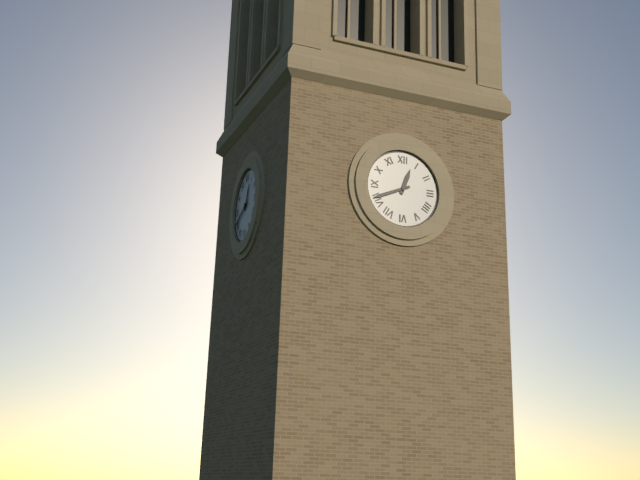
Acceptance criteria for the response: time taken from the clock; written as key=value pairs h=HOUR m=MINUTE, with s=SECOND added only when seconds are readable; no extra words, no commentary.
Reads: h=12 m=41
